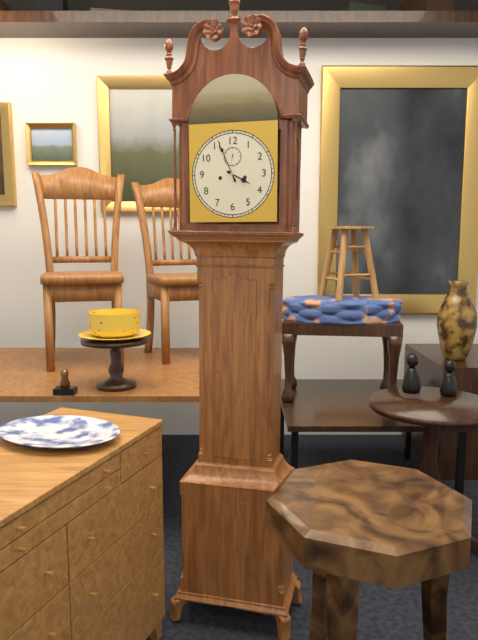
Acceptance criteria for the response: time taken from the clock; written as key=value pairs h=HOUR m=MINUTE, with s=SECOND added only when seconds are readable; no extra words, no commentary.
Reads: h=3 m=56
